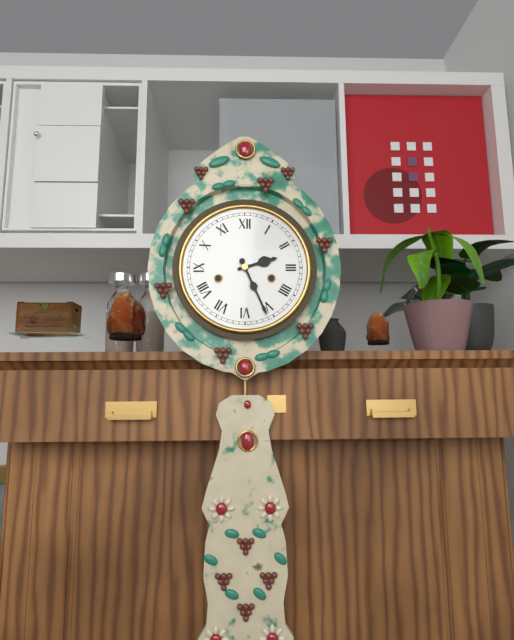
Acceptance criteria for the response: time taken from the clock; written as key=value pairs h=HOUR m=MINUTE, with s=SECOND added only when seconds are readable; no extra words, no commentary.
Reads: h=2 m=26
